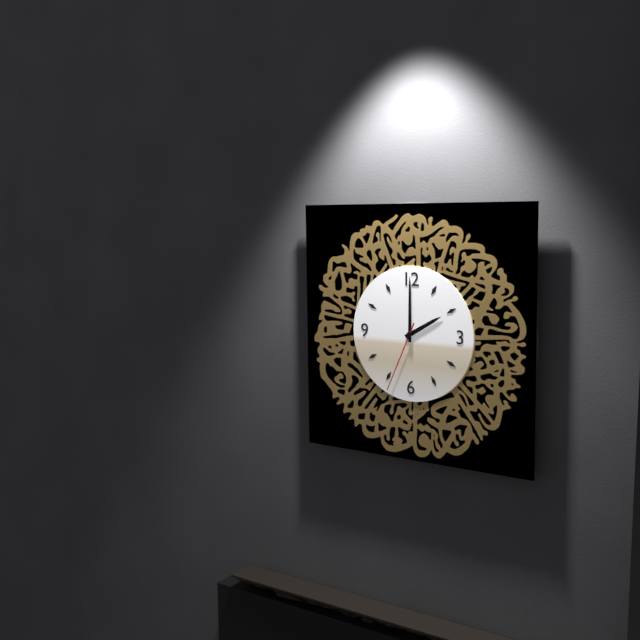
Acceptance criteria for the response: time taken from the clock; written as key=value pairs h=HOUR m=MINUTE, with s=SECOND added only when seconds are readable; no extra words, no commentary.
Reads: h=2 m=0 s=34
